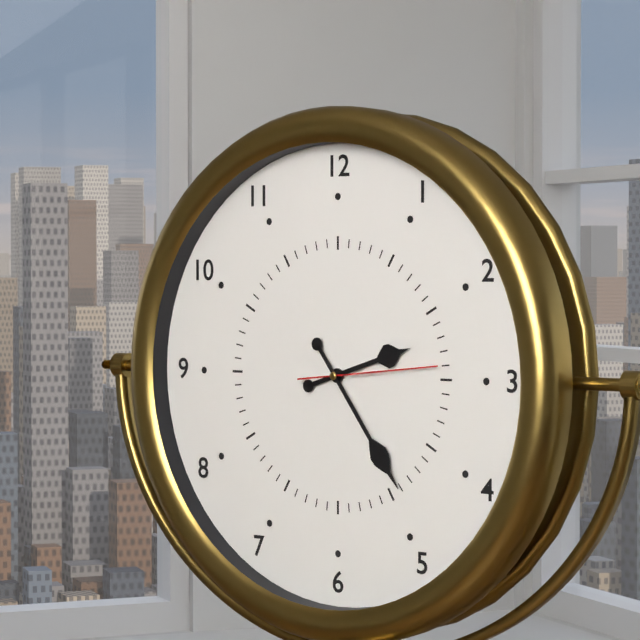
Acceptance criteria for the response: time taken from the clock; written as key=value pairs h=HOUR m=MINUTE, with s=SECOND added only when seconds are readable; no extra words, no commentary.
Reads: h=2 m=24 s=14
